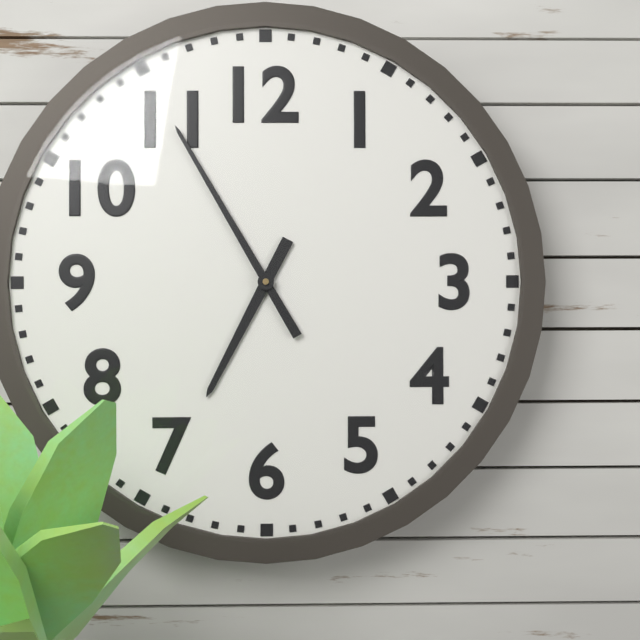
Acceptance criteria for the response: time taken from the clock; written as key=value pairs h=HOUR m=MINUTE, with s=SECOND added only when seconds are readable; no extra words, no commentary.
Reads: h=6 m=55
